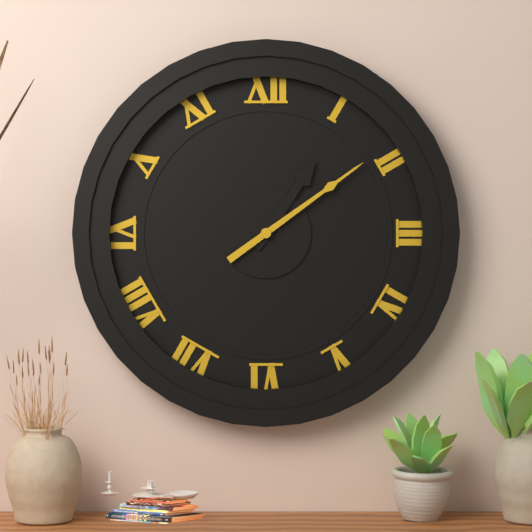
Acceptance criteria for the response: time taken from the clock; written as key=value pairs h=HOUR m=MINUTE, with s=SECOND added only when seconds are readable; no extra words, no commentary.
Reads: h=1 m=9
